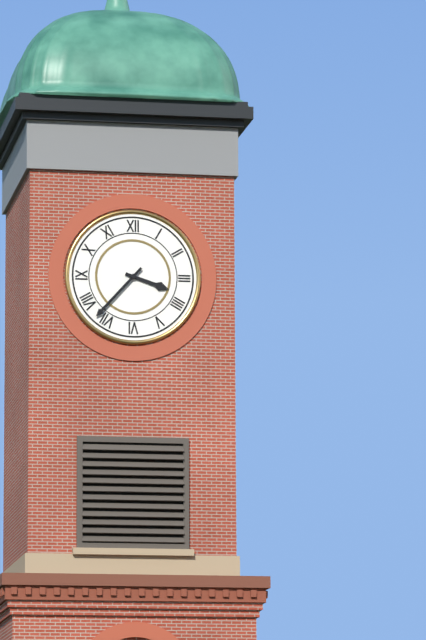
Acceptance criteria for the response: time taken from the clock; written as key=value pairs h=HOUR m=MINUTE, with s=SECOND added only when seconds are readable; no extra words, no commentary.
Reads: h=3 m=37
